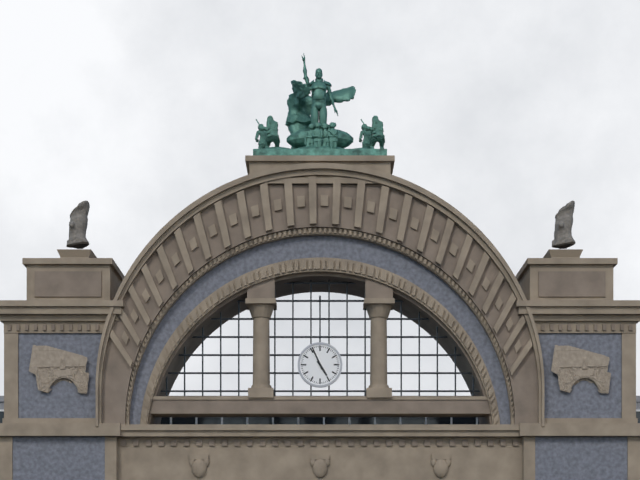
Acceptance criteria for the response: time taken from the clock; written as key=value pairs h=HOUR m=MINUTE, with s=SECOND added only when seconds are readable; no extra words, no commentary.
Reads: h=4 m=56
